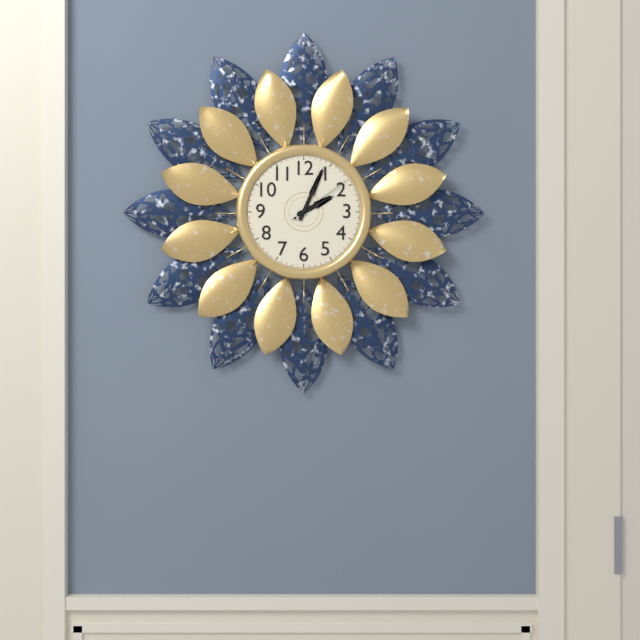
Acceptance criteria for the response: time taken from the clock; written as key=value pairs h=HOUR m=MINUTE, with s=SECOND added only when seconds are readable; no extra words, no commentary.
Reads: h=2 m=4 s=9
